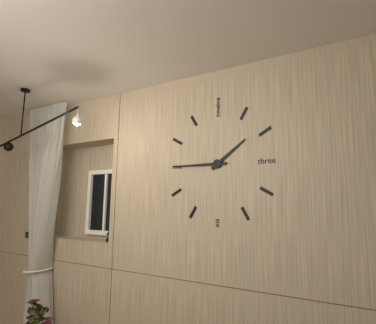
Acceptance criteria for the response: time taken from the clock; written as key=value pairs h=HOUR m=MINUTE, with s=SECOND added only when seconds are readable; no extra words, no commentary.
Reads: h=1 m=45
